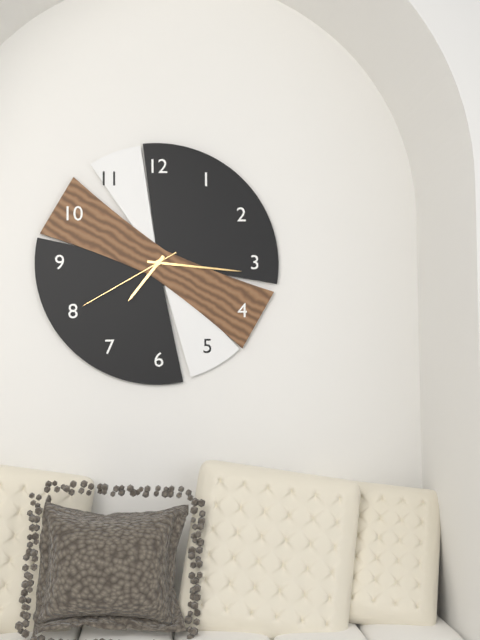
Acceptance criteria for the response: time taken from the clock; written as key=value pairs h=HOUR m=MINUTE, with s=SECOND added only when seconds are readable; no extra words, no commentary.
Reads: h=7 m=16 s=40
